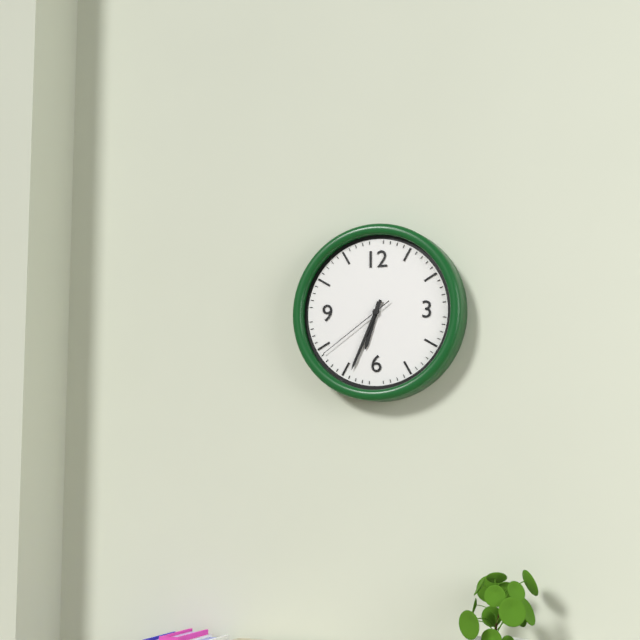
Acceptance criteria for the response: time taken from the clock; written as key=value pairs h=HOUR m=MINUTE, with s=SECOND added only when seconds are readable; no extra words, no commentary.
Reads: h=6 m=34 s=39
